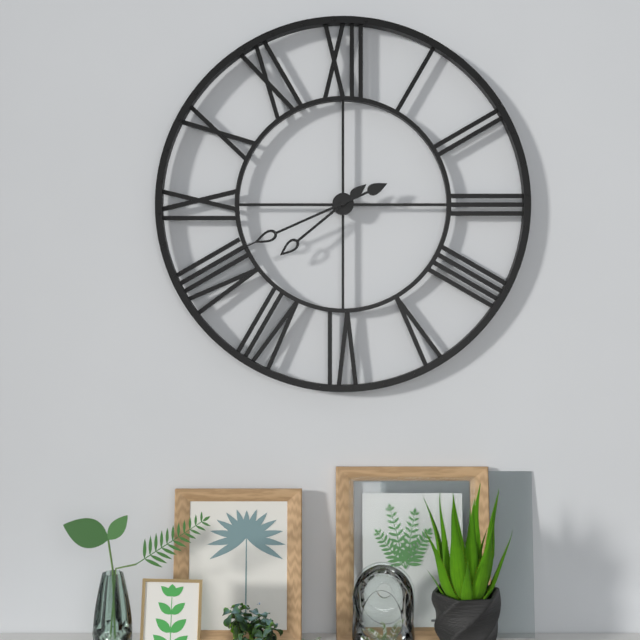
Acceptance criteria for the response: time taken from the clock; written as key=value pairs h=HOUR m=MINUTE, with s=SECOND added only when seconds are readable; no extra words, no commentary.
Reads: h=7 m=41
